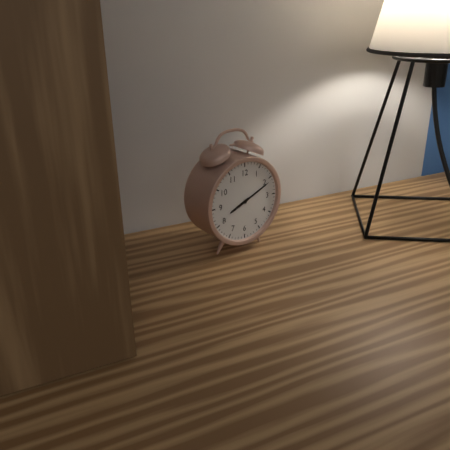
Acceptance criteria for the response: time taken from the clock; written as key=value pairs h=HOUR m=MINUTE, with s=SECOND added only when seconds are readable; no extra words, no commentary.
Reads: h=8 m=11
